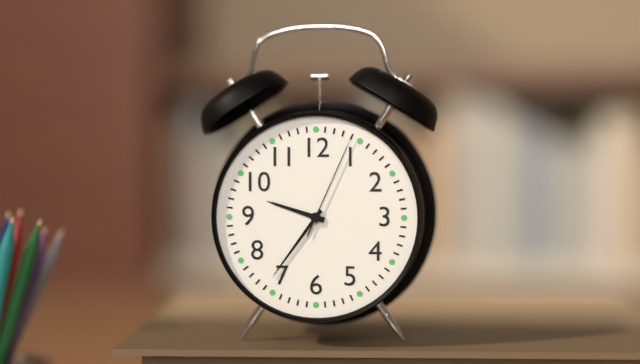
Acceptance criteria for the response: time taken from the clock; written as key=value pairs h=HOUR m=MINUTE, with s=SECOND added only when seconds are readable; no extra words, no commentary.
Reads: h=9 m=36 s=4
